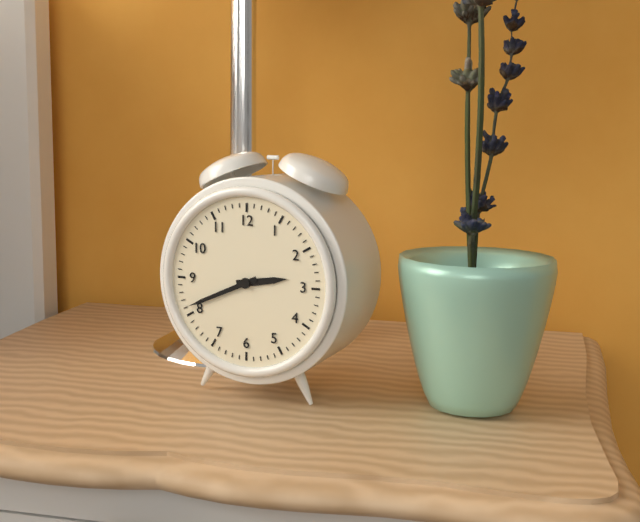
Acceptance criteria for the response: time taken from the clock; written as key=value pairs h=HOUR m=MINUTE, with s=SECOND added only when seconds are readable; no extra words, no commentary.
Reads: h=2 m=41
